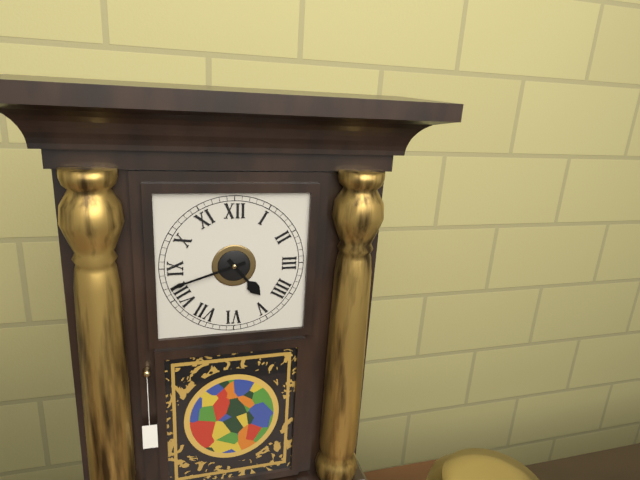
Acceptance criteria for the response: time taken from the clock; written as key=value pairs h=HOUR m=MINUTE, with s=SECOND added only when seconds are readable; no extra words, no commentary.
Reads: h=4 m=42
